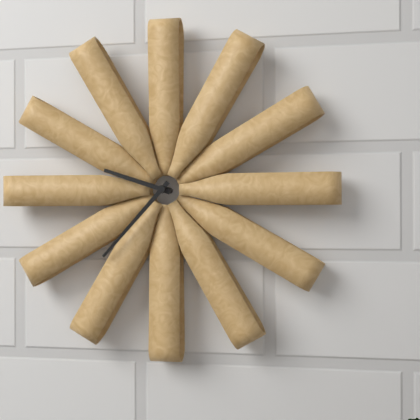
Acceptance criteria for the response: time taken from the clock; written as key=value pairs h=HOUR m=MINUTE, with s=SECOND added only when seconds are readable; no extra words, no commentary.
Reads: h=9 m=37
